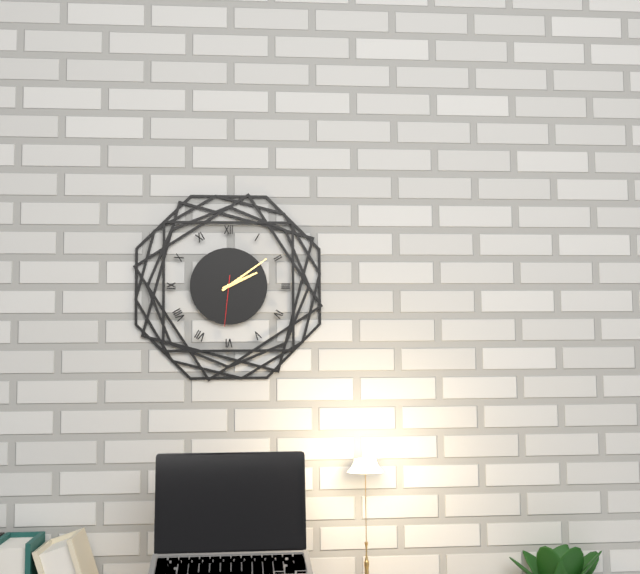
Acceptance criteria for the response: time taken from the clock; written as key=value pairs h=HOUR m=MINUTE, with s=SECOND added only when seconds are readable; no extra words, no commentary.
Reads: h=2 m=9 s=31
